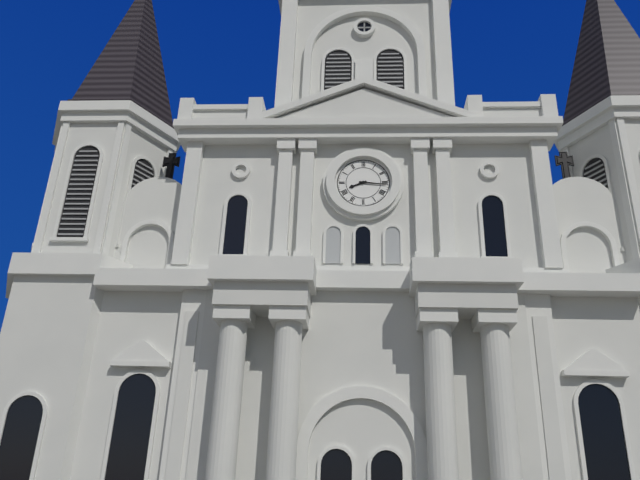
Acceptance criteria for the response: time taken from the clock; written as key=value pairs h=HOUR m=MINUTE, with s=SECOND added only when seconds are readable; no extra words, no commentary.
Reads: h=8 m=16
